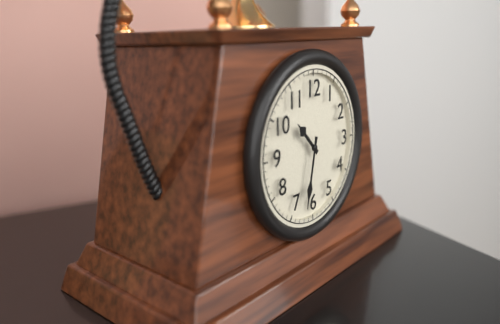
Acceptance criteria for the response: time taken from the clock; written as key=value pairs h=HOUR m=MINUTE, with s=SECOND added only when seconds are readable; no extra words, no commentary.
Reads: h=10 m=32
